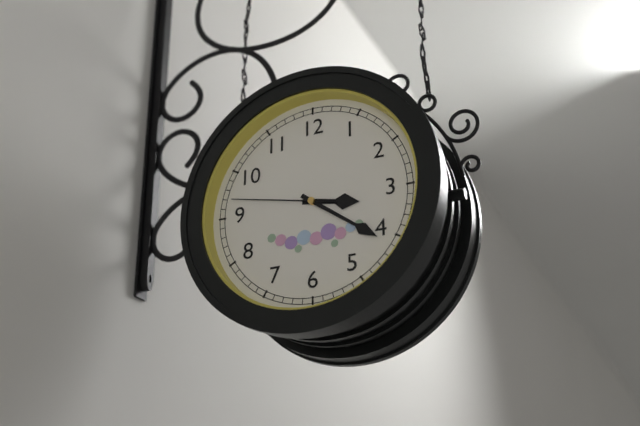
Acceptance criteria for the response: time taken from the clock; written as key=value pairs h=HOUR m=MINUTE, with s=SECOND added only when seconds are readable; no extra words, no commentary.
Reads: h=3 m=21 s=47
